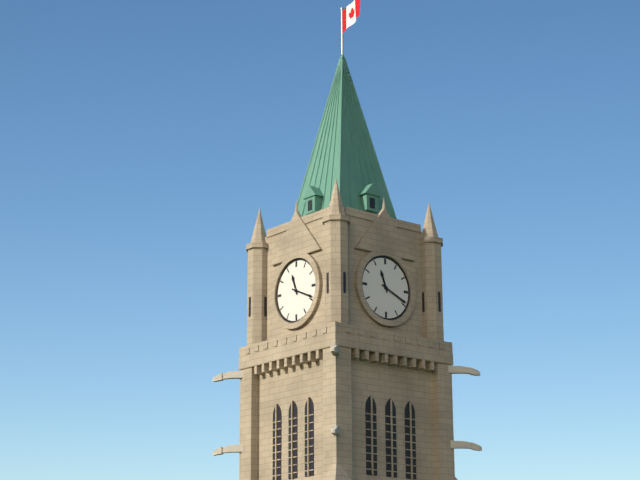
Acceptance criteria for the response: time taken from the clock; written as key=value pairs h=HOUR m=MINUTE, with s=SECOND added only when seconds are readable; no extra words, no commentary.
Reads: h=11 m=19
